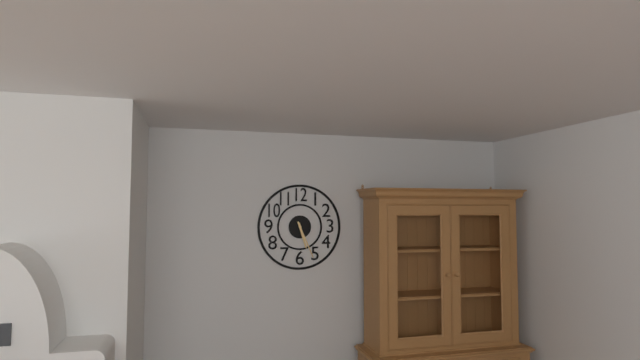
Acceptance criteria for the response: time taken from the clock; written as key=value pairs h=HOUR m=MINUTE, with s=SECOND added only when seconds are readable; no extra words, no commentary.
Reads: h=5 m=26
